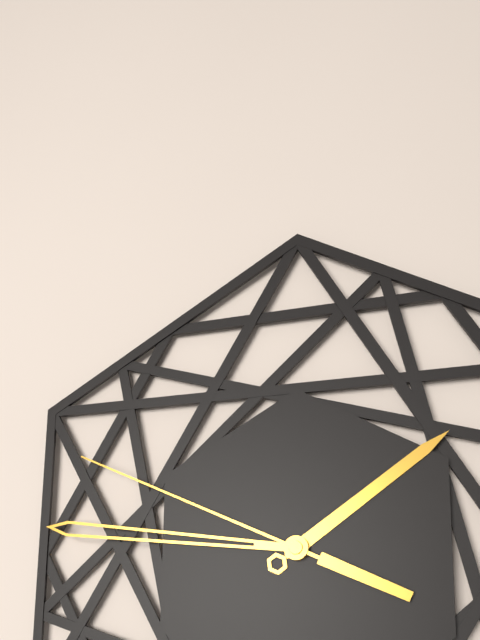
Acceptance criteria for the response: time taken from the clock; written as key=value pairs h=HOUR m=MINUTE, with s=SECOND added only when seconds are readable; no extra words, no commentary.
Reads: h=1 m=46 s=49
